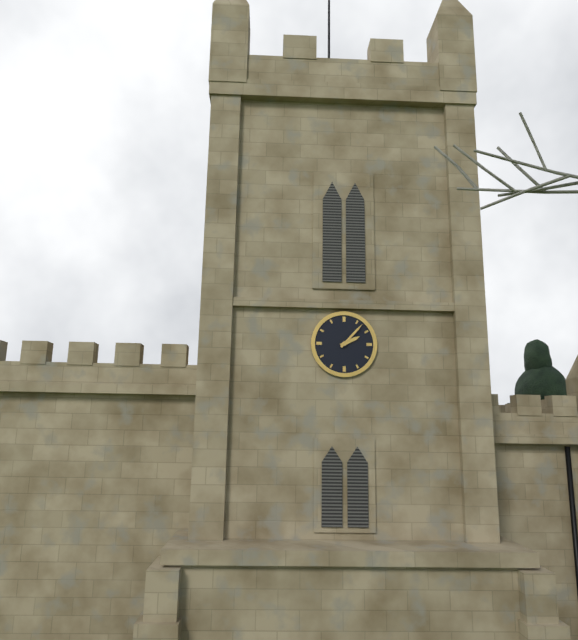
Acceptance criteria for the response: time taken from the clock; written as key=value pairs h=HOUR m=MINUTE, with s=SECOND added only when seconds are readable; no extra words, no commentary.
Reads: h=2 m=7
